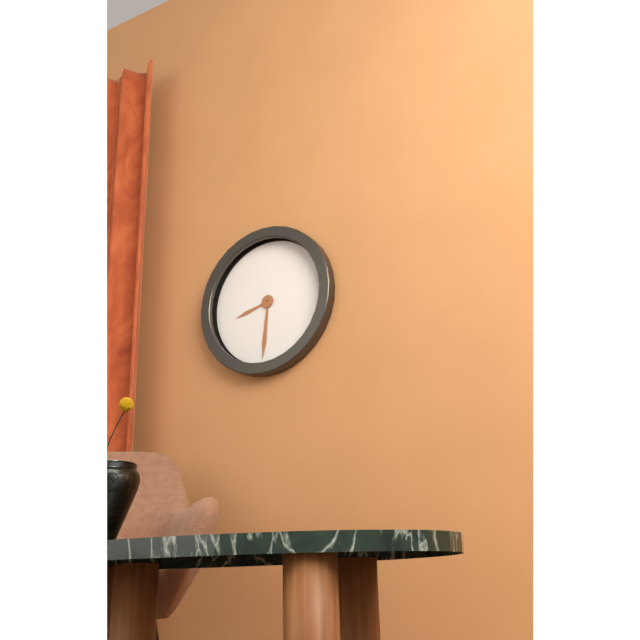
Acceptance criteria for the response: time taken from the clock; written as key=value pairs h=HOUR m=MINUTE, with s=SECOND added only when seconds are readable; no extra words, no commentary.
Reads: h=8 m=31
